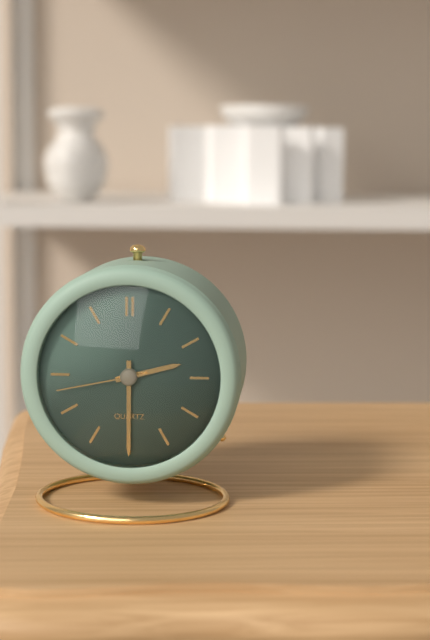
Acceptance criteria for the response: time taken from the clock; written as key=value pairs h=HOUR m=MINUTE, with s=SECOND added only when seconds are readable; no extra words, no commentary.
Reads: h=2 m=30 s=43
